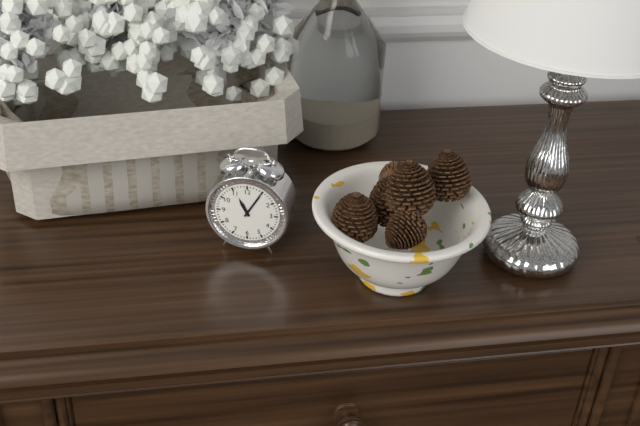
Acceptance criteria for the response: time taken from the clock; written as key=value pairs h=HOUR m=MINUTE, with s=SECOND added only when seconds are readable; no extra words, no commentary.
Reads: h=11 m=5
